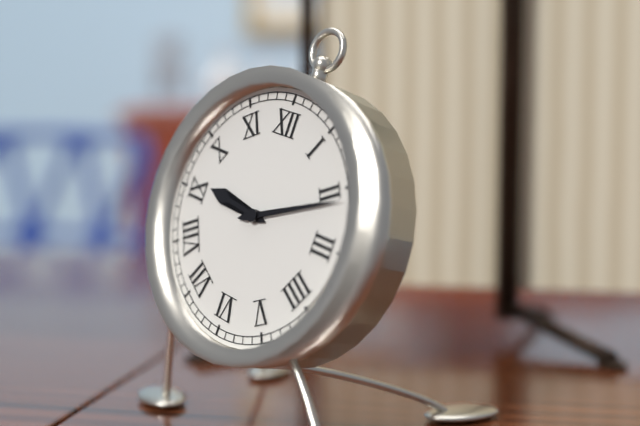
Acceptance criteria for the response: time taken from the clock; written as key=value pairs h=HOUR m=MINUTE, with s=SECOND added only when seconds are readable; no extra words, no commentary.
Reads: h=9 m=11
